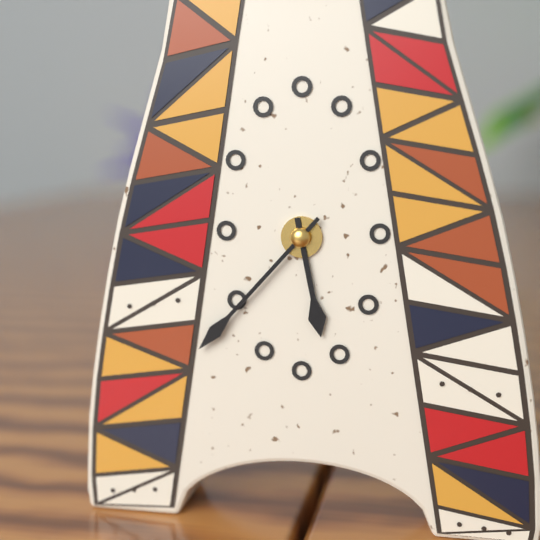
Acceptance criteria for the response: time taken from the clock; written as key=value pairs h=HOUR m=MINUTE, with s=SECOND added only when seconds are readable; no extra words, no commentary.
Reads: h=5 m=37
